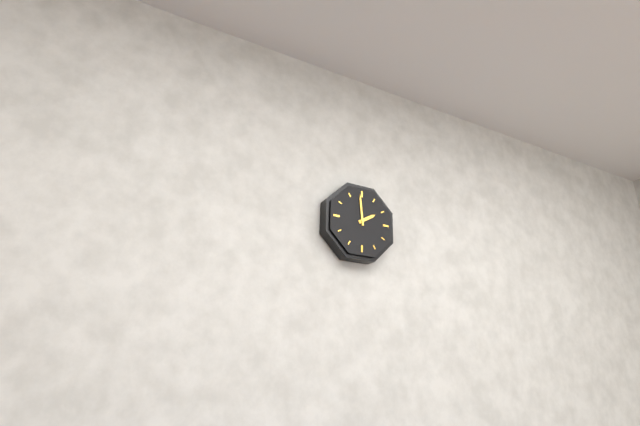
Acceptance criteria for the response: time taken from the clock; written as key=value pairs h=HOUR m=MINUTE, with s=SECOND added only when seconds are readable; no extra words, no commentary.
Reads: h=1 m=59
